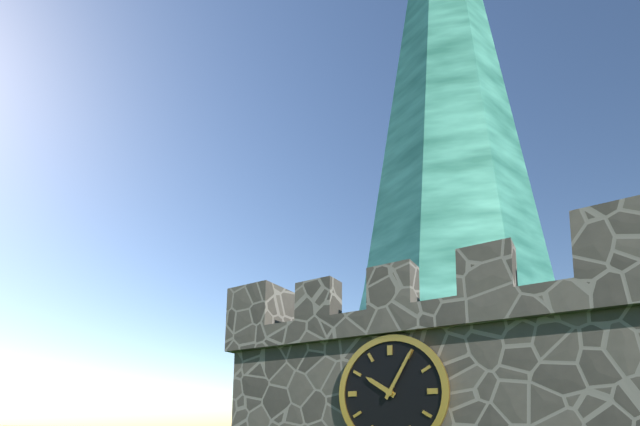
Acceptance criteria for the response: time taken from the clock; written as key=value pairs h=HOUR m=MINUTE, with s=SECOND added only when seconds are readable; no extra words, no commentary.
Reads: h=10 m=5
